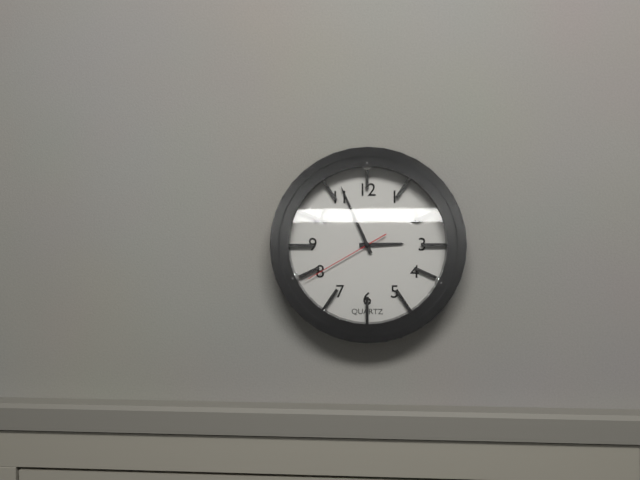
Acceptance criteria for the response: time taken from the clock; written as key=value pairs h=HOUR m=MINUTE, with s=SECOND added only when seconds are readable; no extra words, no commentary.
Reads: h=2 m=56 s=40
